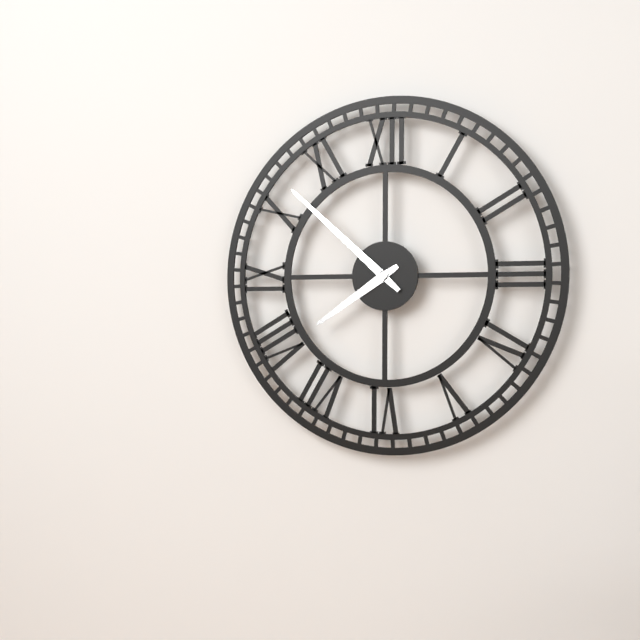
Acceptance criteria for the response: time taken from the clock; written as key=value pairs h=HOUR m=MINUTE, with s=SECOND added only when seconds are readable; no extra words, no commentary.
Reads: h=7 m=52
